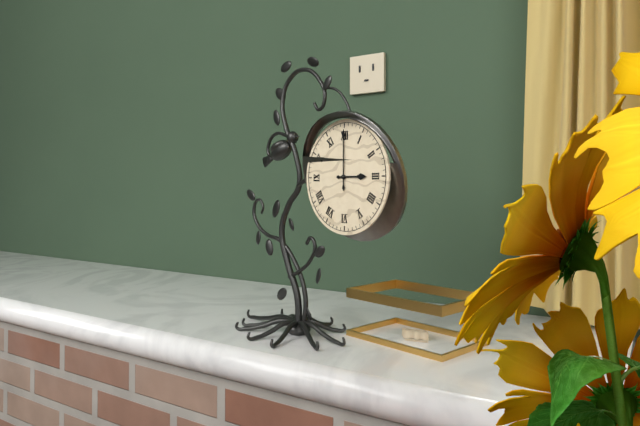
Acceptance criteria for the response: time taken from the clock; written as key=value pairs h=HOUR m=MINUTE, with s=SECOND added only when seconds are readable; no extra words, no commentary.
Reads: h=3 m=0
